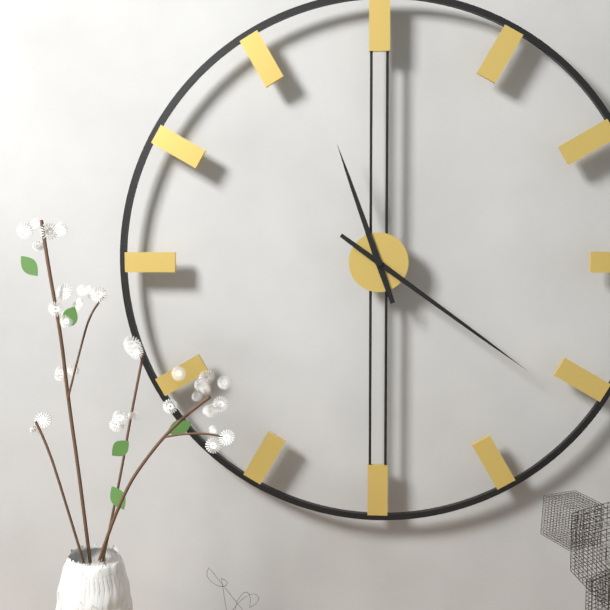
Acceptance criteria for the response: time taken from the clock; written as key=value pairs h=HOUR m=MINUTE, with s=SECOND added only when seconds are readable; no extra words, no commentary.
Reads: h=11 m=21
